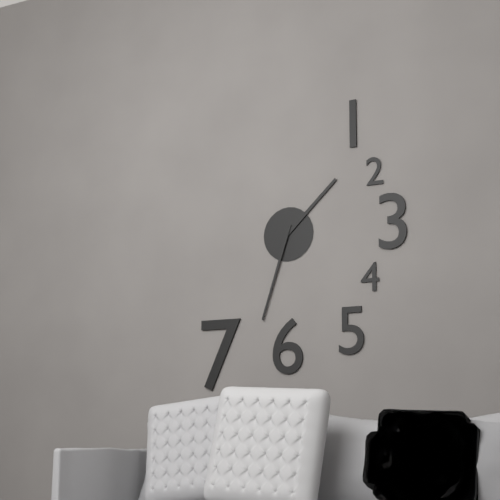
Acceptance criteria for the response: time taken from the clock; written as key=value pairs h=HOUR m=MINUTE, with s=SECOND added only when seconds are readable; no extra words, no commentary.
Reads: h=1 m=33
